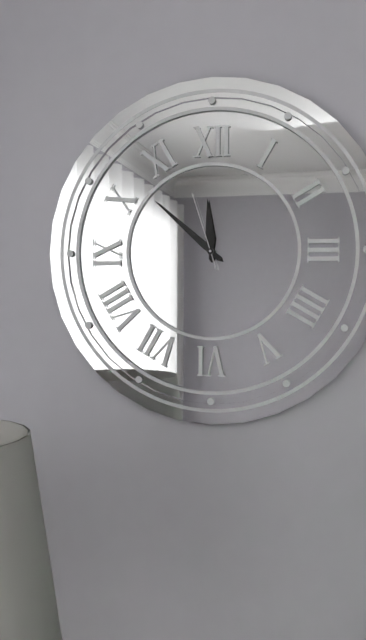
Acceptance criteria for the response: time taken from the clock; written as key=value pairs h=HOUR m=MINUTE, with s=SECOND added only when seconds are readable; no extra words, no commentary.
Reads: h=11 m=52 s=57
